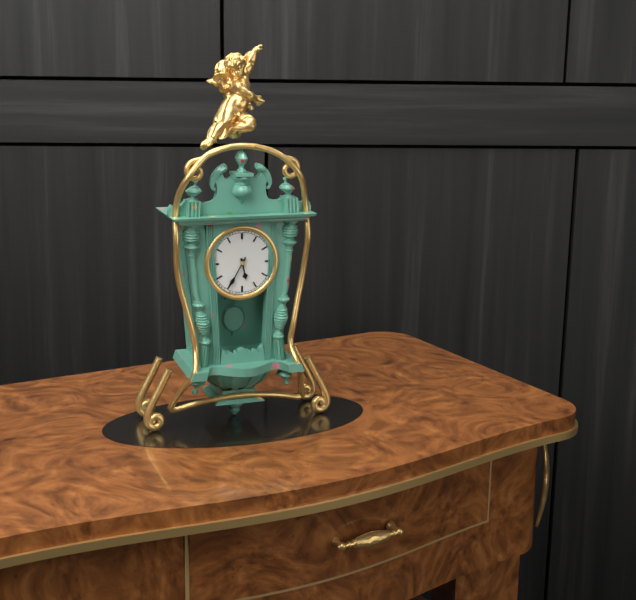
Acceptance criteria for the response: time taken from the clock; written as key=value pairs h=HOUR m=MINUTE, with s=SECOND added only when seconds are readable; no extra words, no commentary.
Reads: h=5 m=35
